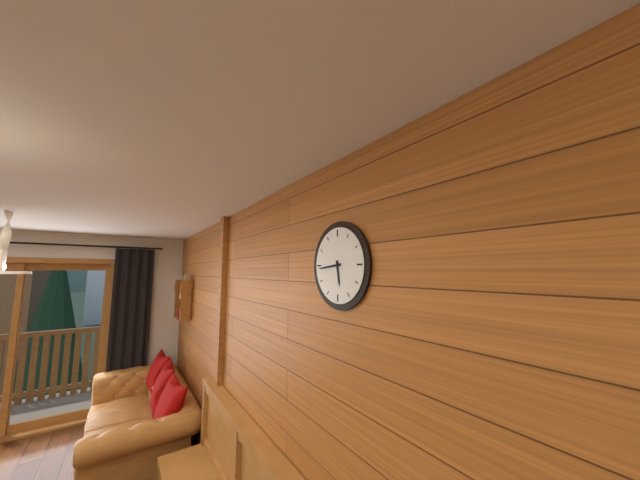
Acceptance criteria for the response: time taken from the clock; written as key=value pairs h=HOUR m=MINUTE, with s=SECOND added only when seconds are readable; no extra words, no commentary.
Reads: h=5 m=44
